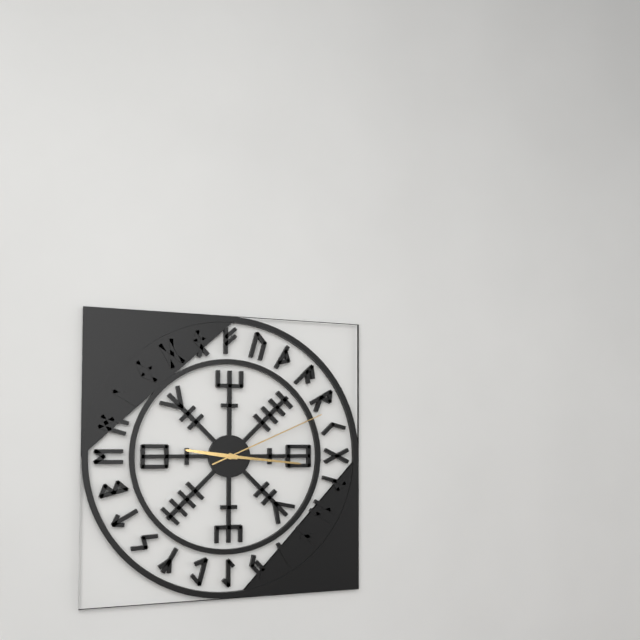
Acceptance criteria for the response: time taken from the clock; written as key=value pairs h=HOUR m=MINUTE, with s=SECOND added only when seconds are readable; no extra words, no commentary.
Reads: h=9 m=16 s=11
